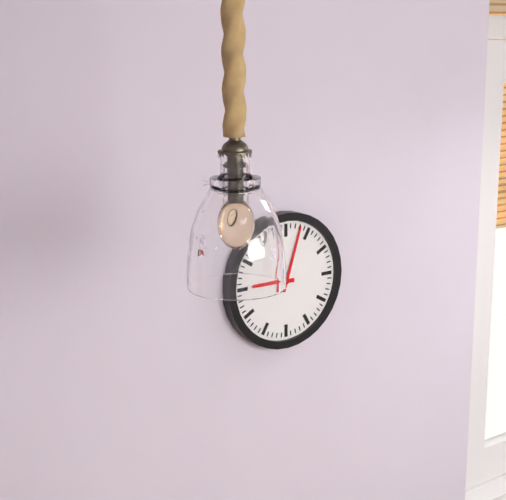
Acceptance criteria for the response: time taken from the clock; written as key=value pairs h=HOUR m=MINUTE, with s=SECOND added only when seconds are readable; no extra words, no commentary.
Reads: h=9 m=3
